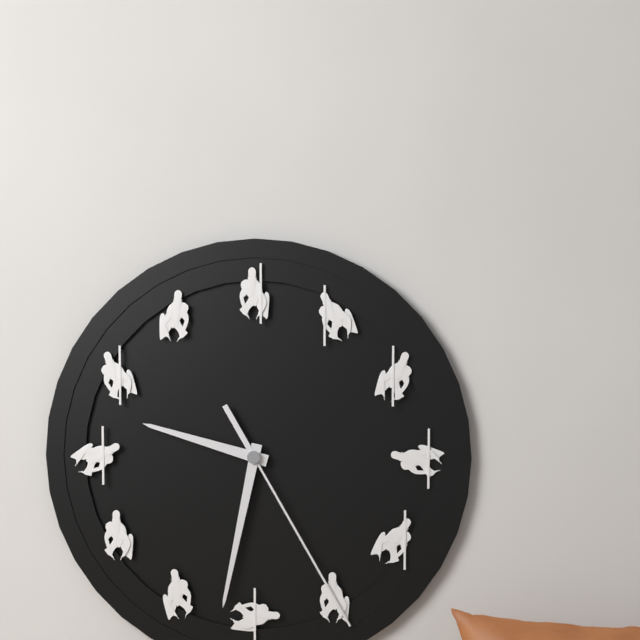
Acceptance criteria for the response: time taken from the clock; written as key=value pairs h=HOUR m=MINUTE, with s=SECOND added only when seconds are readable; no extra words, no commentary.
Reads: h=9 m=32 s=25
